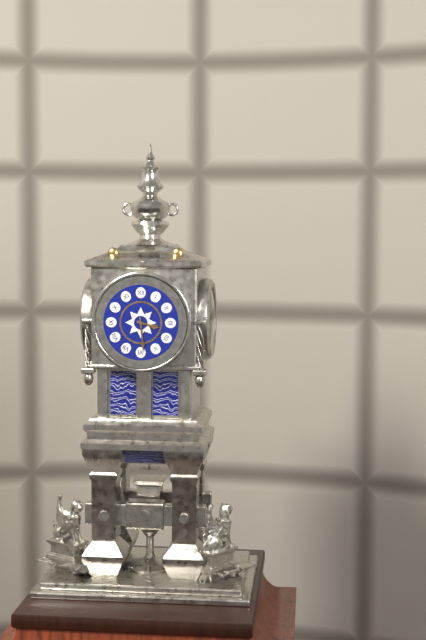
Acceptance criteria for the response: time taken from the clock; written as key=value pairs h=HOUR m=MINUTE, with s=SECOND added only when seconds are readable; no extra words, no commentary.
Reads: h=3 m=29
